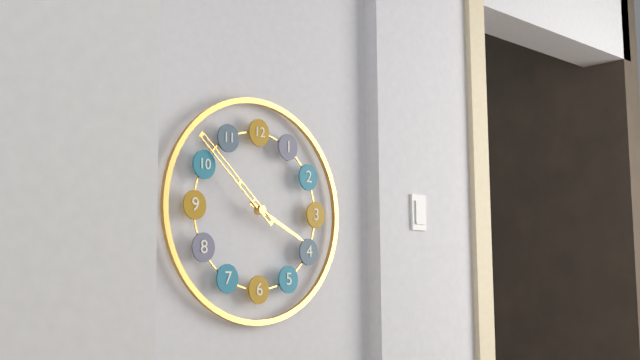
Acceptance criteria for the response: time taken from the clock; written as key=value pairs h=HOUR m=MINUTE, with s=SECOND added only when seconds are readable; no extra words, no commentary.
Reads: h=3 m=52
